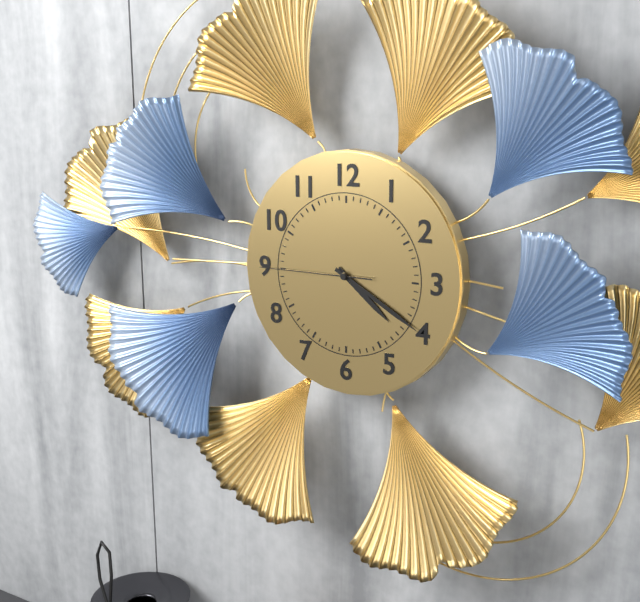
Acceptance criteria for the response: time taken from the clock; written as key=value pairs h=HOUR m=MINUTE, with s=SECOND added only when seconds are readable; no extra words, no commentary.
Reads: h=4 m=20 s=45
